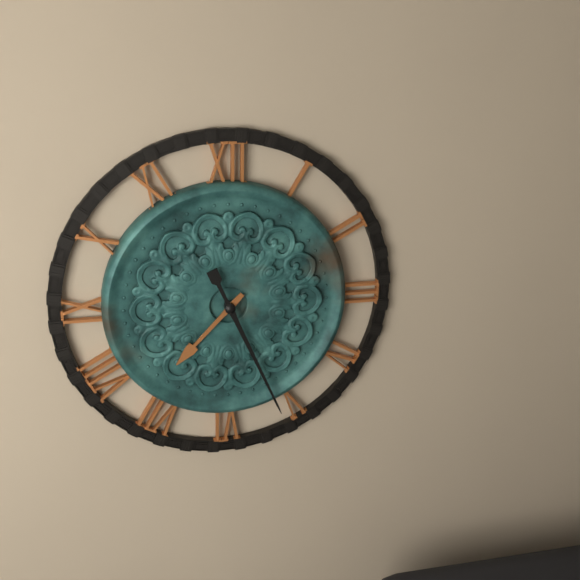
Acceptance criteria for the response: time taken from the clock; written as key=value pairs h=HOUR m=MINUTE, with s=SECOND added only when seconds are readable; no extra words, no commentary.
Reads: h=7 m=26
